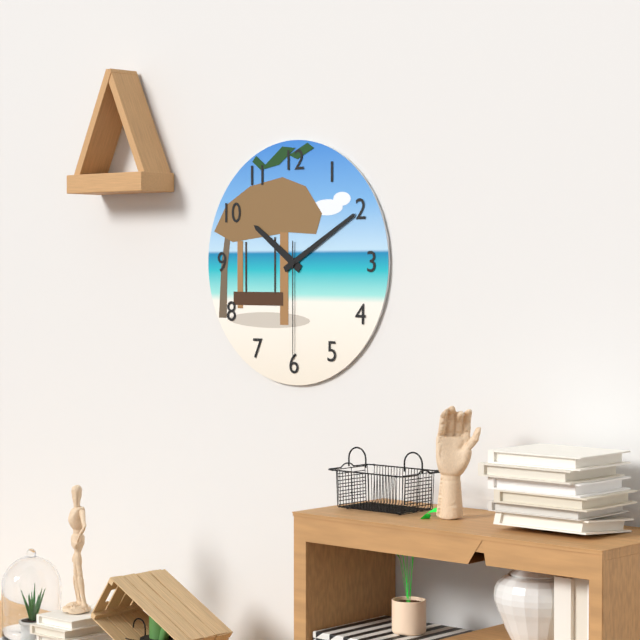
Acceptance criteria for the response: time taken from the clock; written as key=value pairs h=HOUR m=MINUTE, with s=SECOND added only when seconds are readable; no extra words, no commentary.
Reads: h=10 m=10 s=30
